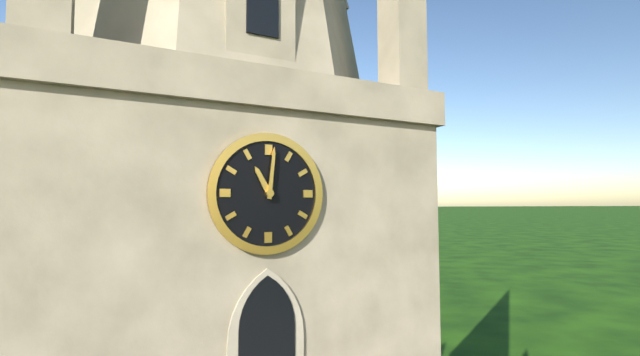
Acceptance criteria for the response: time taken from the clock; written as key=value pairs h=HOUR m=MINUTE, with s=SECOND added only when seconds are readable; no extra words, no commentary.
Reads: h=11 m=1
